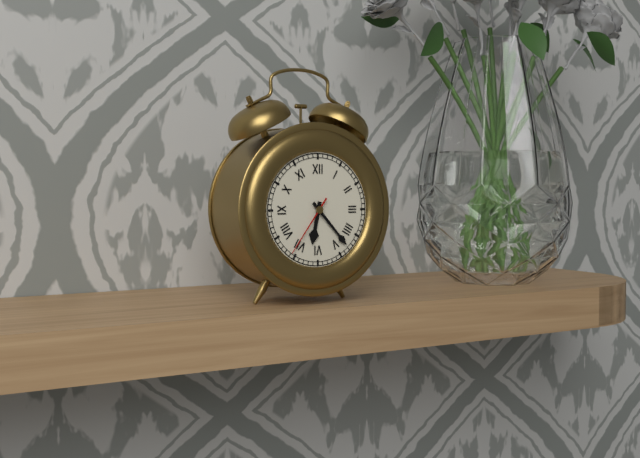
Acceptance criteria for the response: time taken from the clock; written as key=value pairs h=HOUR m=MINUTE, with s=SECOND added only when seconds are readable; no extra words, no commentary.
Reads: h=6 m=23 s=36
